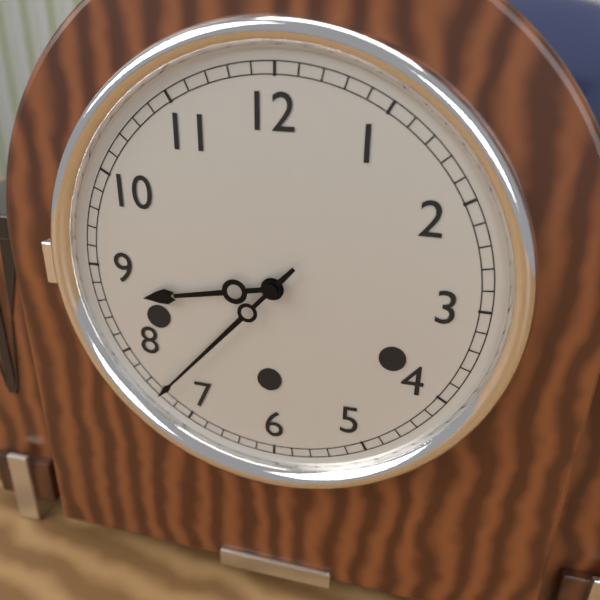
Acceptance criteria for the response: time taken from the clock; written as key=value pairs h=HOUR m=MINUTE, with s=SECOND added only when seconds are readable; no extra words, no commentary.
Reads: h=8 m=37
